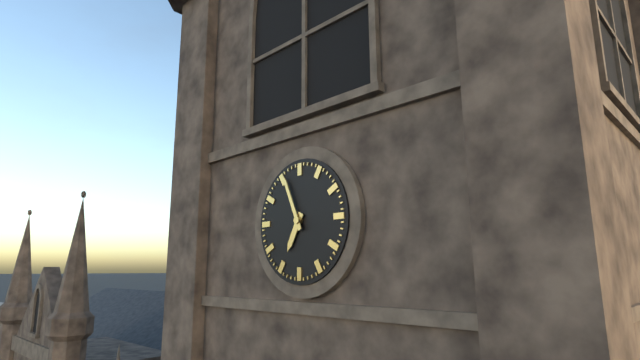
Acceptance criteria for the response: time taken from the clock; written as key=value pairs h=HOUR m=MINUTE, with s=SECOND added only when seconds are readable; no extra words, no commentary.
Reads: h=6 m=56
